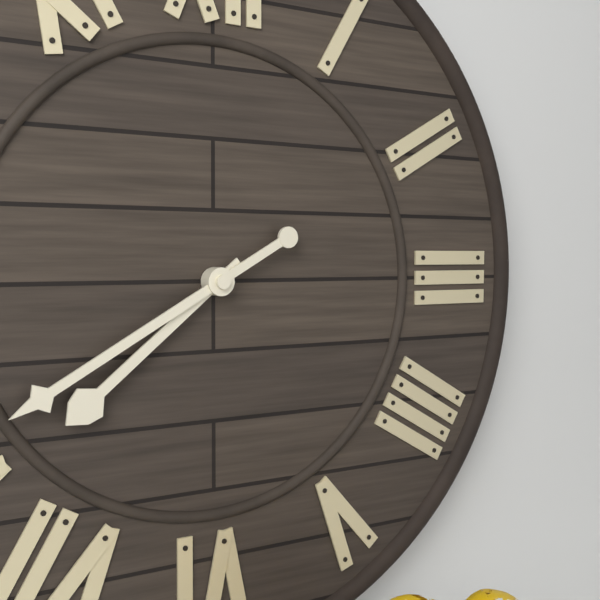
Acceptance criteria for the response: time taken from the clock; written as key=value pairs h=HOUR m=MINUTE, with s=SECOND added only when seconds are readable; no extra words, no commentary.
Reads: h=7 m=40
